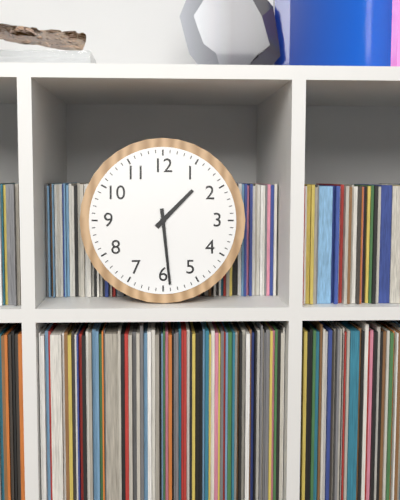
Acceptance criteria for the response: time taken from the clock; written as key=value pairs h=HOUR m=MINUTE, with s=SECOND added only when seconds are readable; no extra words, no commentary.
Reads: h=1 m=29
